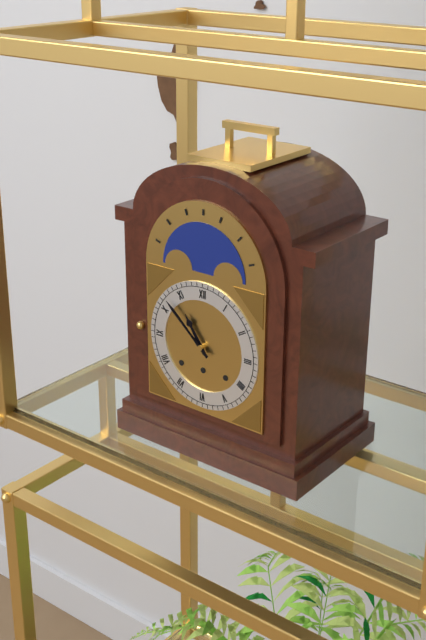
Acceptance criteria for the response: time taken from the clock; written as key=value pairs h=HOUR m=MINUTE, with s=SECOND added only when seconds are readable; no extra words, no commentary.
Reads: h=10 m=52
